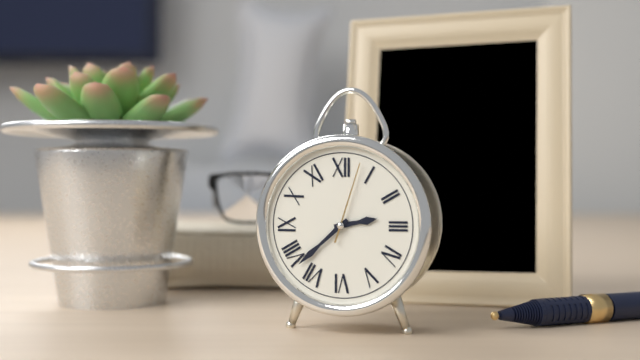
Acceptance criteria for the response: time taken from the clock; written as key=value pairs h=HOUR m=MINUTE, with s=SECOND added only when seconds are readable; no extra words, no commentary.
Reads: h=2 m=38 s=3
